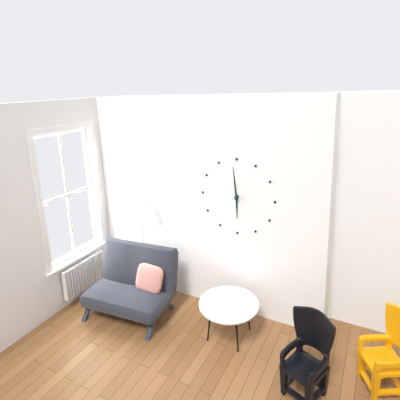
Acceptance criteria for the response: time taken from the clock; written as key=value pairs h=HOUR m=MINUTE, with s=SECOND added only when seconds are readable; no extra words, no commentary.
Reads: h=5 m=59
